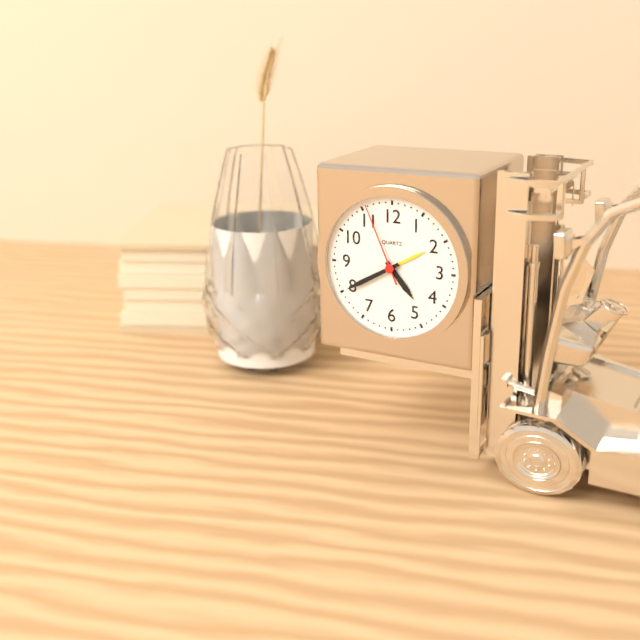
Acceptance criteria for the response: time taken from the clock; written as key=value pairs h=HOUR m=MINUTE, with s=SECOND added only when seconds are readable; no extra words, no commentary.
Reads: h=4 m=40 s=56
